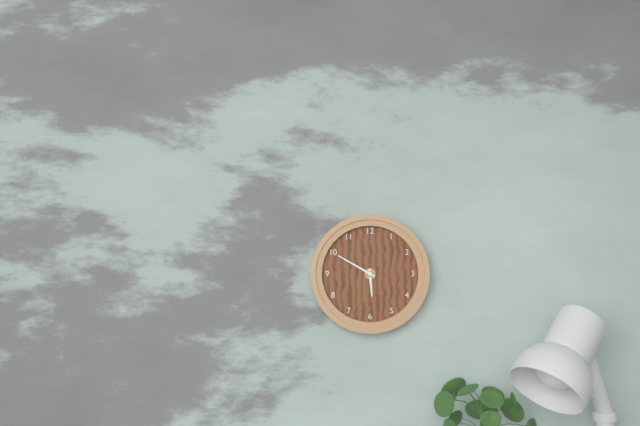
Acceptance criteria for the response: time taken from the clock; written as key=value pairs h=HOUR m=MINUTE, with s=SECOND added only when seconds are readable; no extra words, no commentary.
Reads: h=5 m=50
